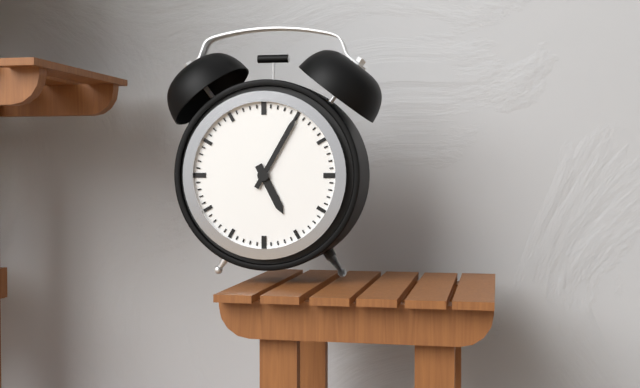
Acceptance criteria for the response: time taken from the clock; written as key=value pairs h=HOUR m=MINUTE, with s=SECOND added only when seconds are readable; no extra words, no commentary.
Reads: h=5 m=5
